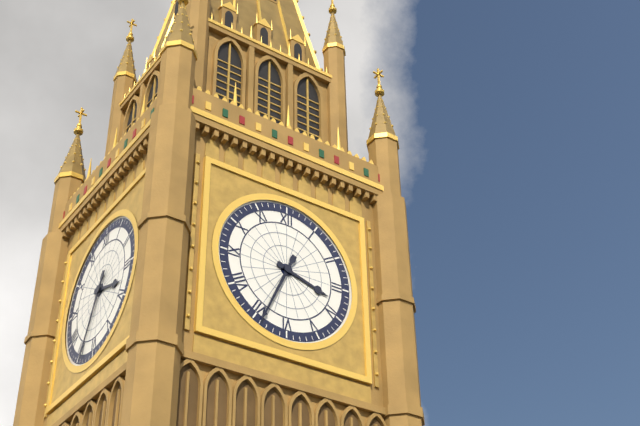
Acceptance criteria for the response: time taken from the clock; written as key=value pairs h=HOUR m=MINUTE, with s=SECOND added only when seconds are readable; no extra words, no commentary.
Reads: h=3 m=34
